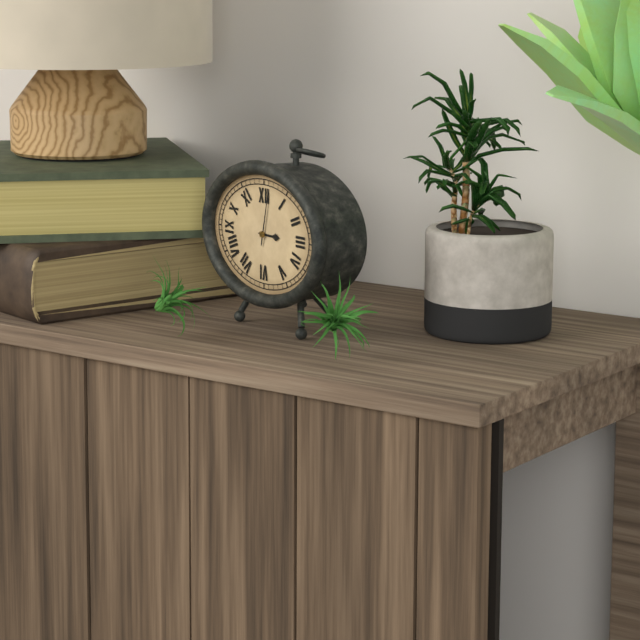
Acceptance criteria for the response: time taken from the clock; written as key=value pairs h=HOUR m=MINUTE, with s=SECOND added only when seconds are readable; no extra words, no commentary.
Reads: h=3 m=2
